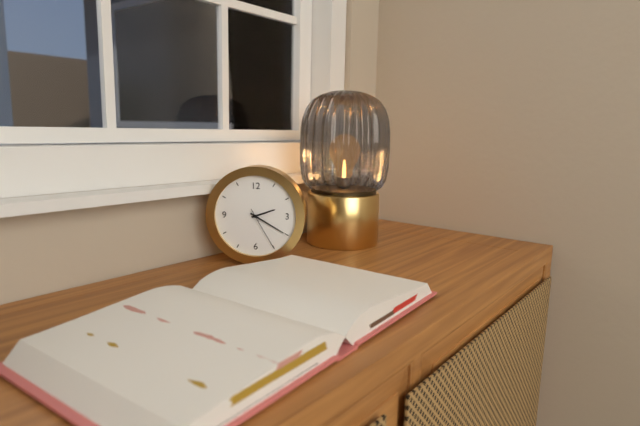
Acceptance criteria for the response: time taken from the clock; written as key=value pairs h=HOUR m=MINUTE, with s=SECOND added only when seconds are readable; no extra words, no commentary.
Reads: h=2 m=20
